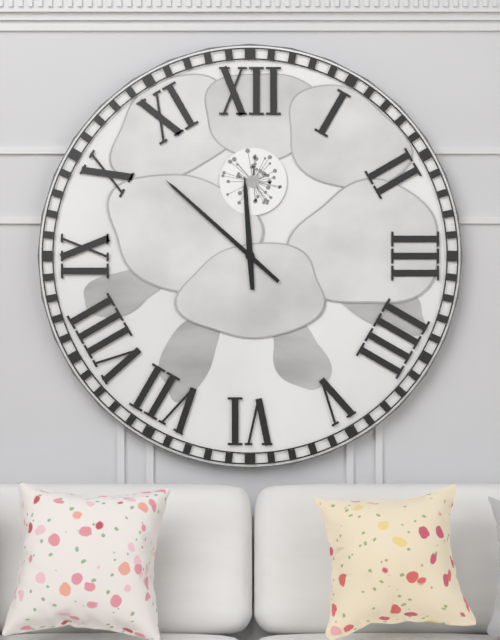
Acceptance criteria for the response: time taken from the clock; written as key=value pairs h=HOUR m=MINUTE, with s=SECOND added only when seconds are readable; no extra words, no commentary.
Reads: h=11 m=52
